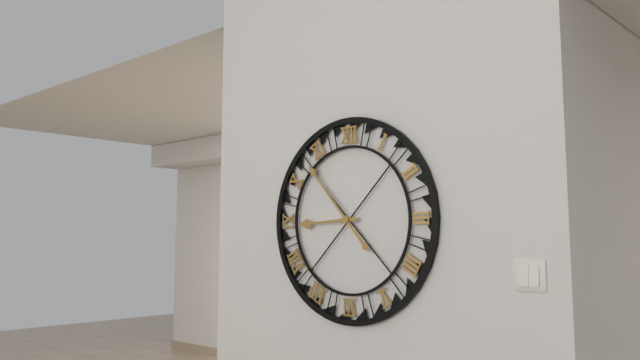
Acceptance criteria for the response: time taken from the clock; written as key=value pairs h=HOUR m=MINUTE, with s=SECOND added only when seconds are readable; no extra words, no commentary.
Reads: h=8 m=53
